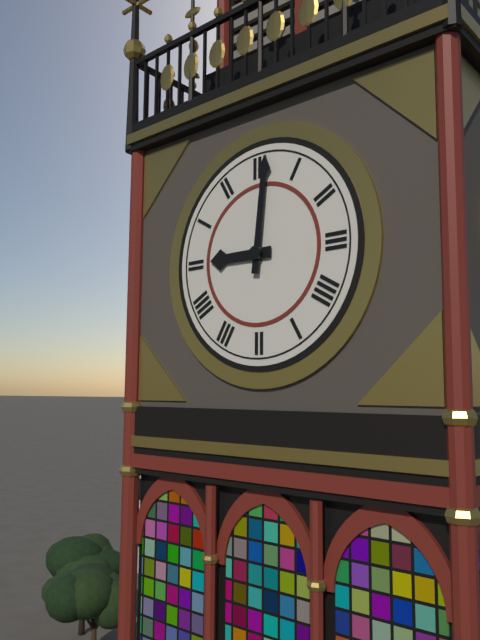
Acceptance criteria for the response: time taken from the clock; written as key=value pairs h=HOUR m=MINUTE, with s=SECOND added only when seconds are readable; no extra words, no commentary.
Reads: h=9 m=1
